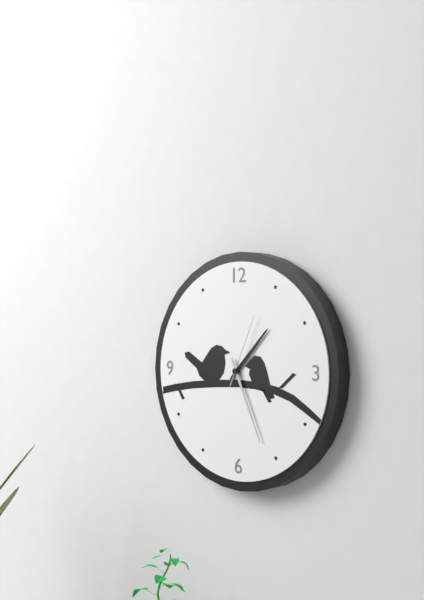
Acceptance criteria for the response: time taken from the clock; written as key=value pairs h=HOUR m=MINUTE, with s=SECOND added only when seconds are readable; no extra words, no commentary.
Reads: h=1 m=26 s=4
